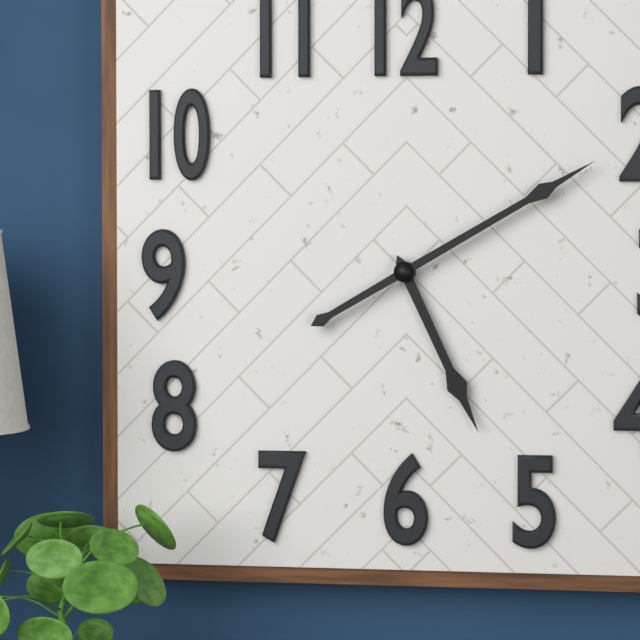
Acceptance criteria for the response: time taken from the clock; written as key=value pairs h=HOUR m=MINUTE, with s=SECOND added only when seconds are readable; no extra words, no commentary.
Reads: h=5 m=10
